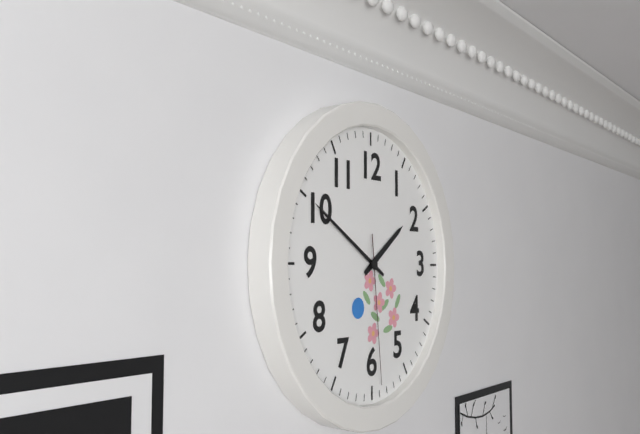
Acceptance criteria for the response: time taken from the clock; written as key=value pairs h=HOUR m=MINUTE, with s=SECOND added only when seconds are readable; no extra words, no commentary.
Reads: h=1 m=50 s=29
